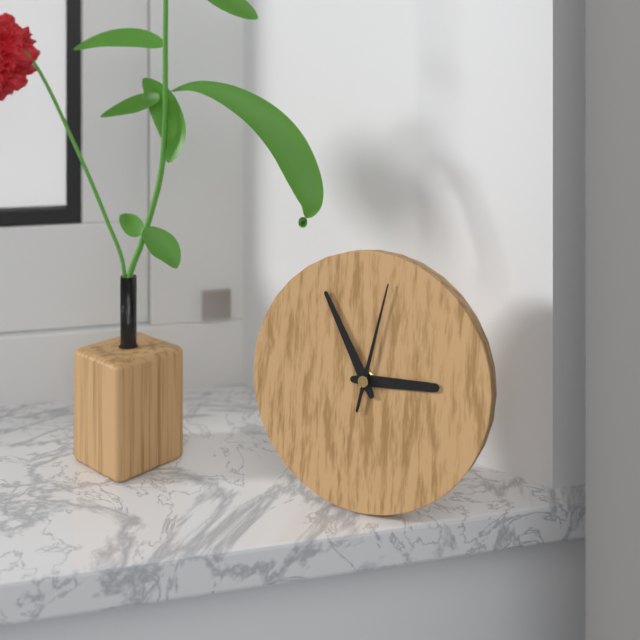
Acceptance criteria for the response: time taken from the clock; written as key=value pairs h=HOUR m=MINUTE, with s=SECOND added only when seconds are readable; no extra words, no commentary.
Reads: h=2 m=55 s=2
